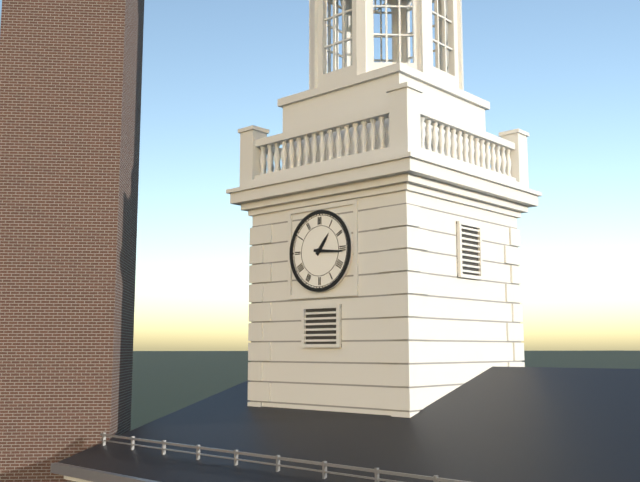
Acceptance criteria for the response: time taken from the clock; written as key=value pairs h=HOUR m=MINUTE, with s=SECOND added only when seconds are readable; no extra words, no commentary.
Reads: h=1 m=16
